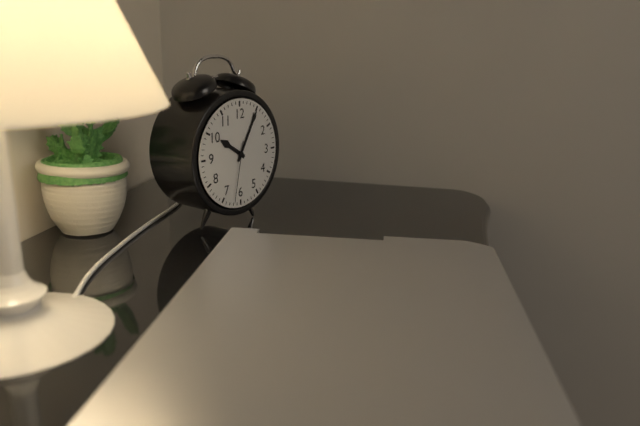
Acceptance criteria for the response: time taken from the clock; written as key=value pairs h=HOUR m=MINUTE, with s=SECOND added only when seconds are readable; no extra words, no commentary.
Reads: h=10 m=5 s=32
